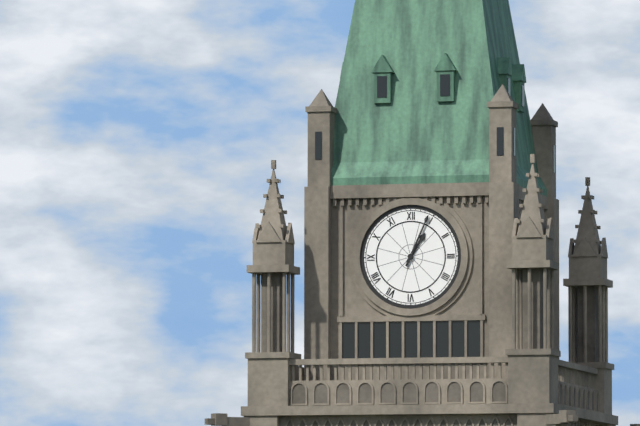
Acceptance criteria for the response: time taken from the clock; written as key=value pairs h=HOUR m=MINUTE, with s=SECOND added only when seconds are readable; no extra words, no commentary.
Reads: h=1 m=4
